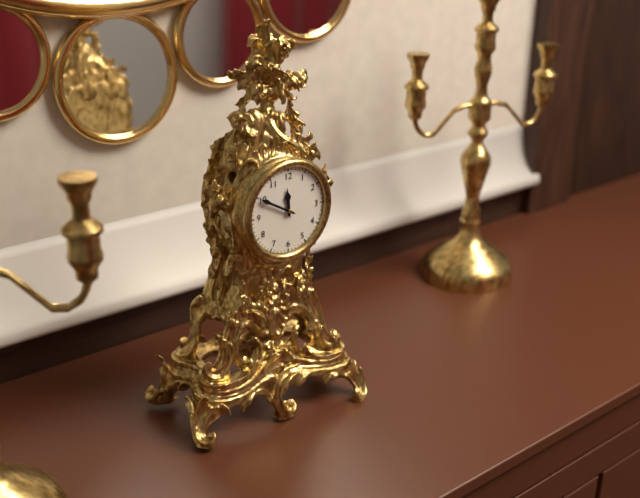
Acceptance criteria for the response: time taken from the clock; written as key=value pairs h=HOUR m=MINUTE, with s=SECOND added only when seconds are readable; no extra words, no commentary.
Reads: h=11 m=50
